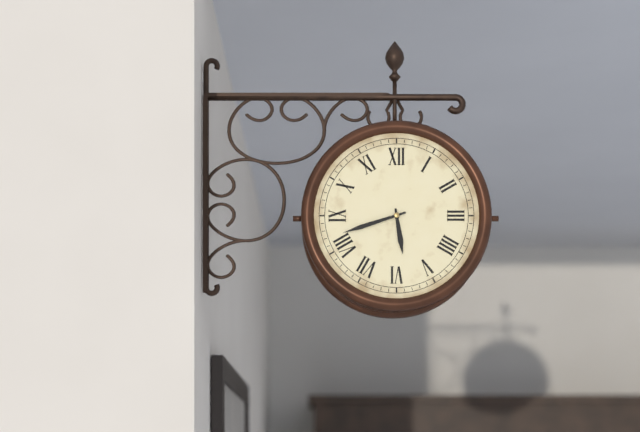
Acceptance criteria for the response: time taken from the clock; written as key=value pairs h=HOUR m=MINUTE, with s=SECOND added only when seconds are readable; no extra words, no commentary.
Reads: h=5 m=42
